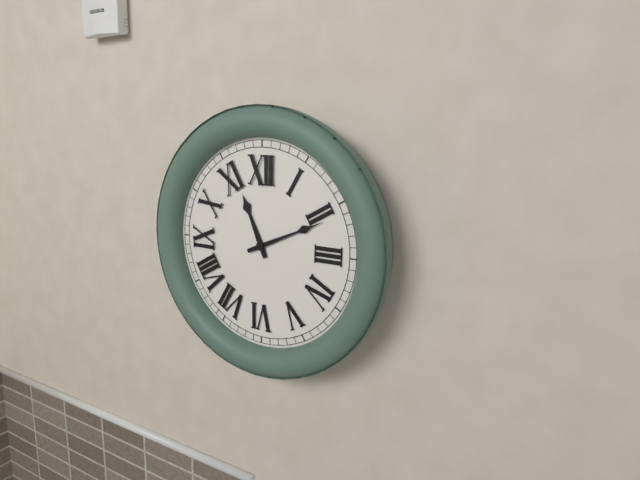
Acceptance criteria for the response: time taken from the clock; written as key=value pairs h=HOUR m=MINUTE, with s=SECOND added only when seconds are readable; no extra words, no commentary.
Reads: h=11 m=11
